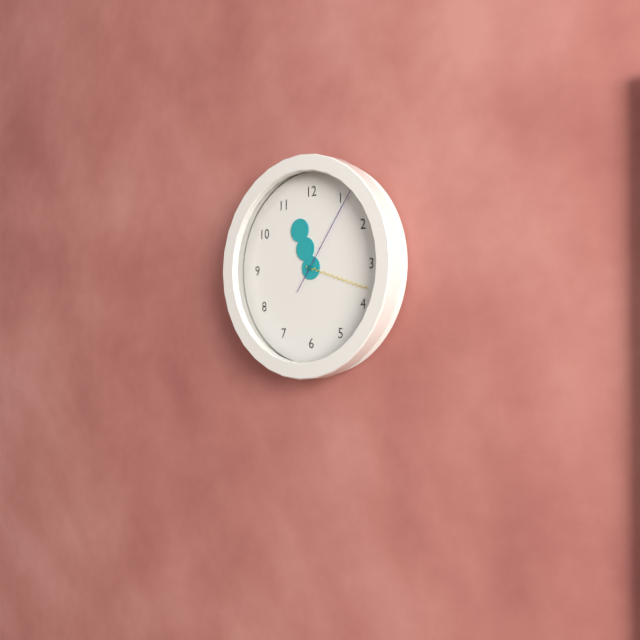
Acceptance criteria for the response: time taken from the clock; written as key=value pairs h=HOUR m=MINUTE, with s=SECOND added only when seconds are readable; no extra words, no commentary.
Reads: h=11 m=18 s=6
